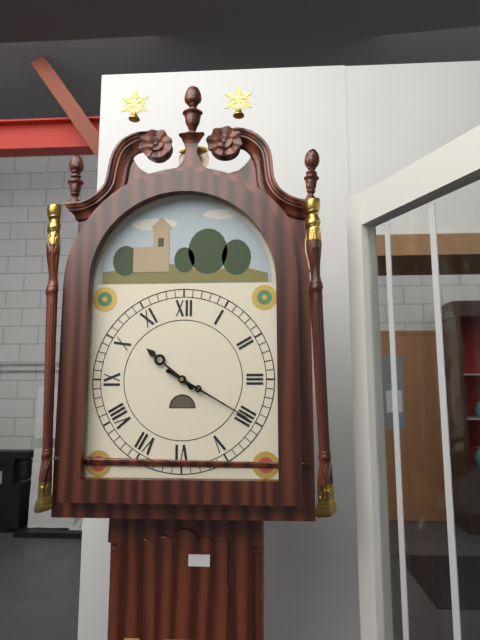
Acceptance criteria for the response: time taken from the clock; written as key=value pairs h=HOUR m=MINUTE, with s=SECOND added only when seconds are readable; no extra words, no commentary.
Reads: h=10 m=20
